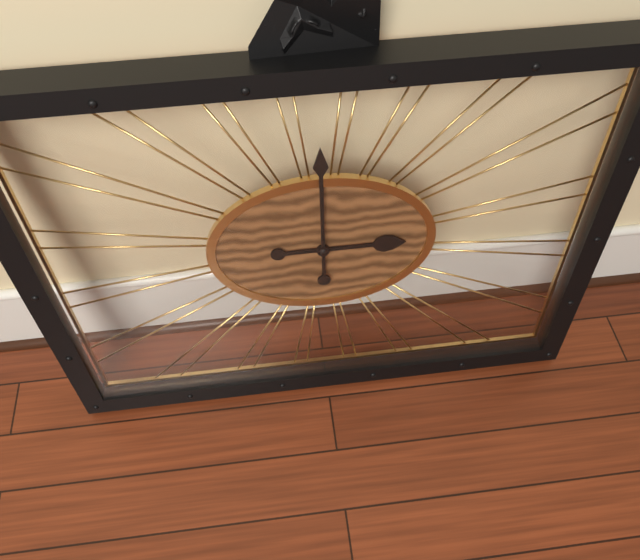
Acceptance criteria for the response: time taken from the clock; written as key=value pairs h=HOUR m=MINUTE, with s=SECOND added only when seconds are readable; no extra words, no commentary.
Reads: h=3 m=0
